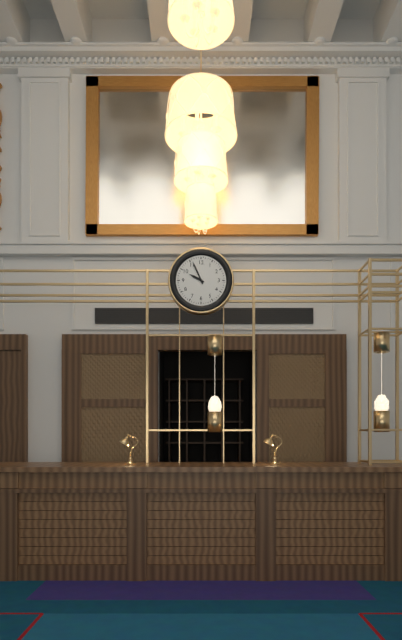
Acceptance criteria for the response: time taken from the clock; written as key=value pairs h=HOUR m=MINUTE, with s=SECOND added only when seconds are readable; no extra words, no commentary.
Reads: h=9 m=56
